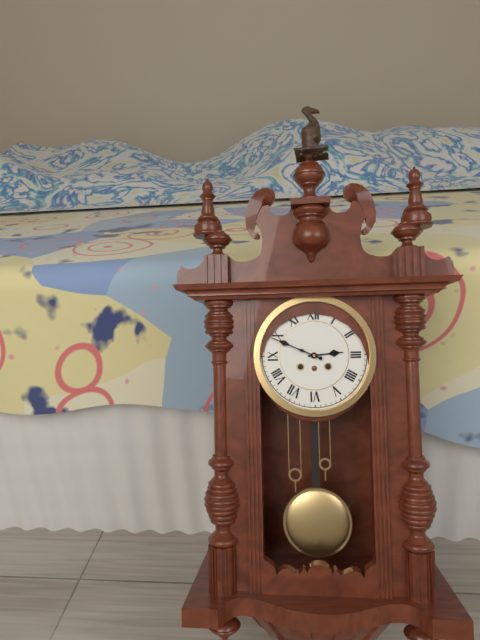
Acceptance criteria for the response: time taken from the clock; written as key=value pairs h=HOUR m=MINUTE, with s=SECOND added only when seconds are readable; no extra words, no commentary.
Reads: h=2 m=49
